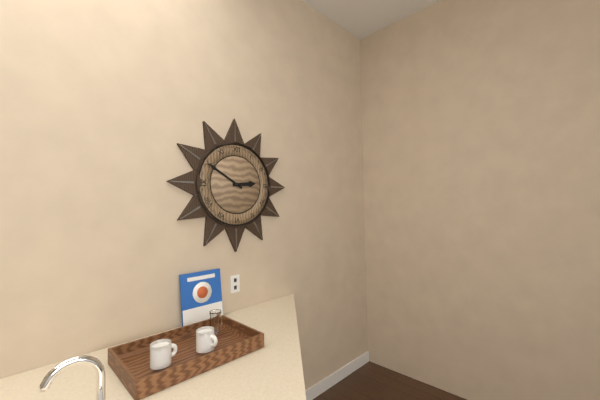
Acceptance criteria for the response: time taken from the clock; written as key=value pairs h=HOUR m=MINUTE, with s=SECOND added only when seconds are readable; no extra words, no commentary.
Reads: h=2 m=50
